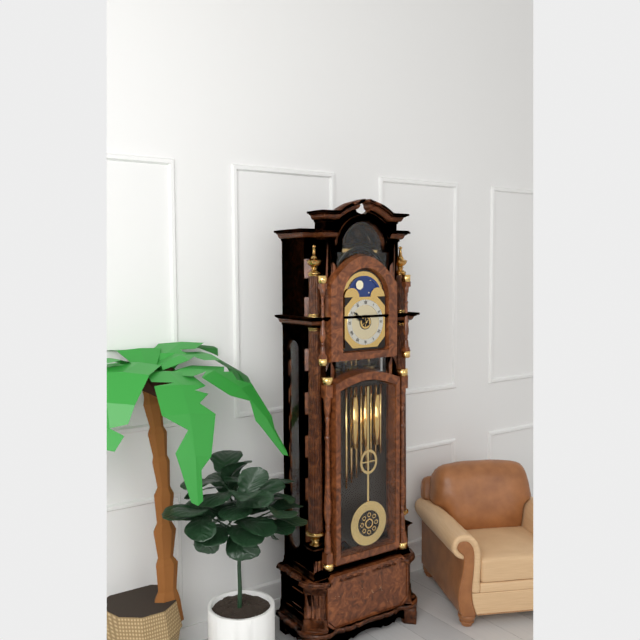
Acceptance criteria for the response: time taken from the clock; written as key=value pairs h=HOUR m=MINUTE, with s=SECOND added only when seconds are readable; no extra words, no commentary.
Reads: h=9 m=51
